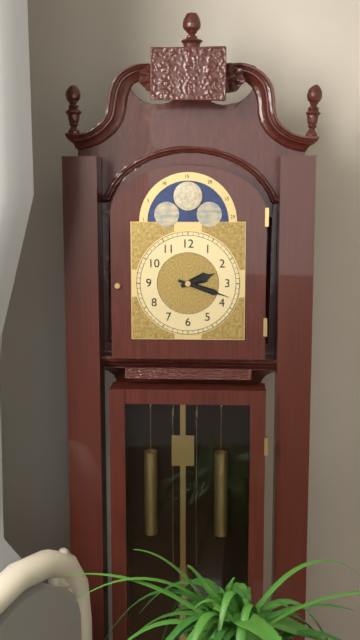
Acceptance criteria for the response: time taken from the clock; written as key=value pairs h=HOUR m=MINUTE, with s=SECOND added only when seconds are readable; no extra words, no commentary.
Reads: h=2 m=18
